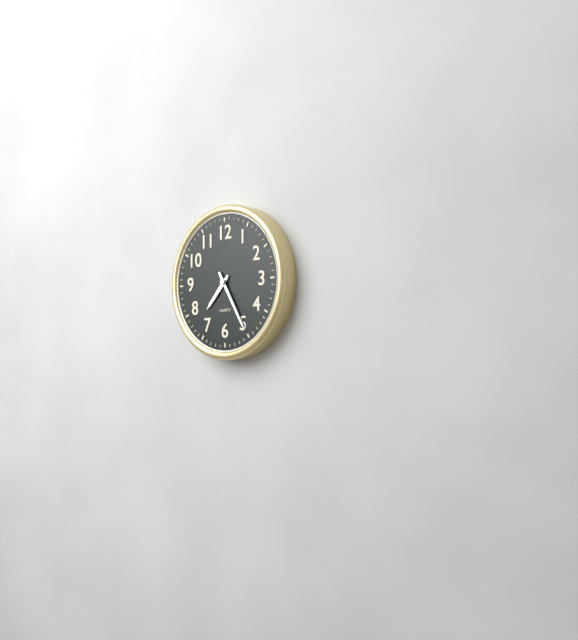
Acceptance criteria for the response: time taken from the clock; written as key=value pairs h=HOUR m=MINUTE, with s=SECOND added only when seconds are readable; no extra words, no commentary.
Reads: h=7 m=25
